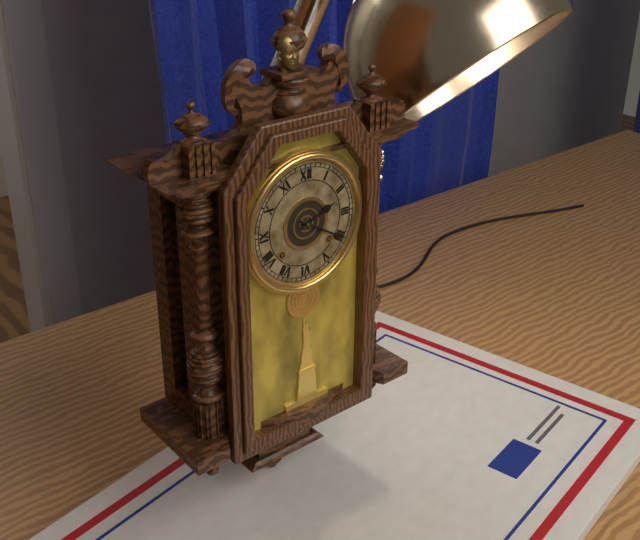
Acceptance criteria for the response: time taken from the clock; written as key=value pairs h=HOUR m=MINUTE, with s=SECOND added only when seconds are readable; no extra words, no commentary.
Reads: h=2 m=20
